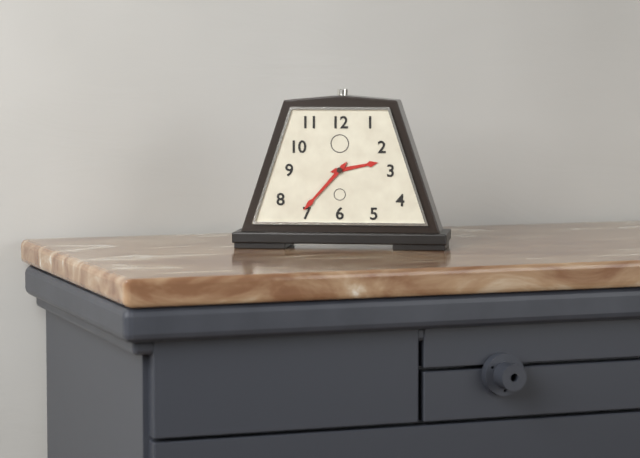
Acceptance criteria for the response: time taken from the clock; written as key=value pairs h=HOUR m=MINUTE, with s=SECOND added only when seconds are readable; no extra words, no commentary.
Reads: h=2 m=37
